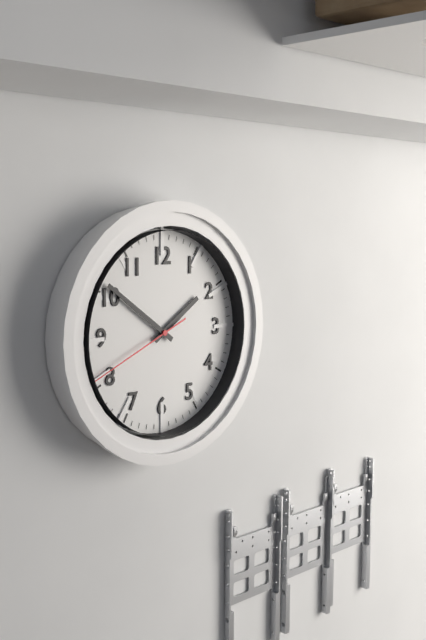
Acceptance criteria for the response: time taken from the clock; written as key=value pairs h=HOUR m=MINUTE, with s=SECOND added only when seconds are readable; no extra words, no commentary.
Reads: h=1 m=51 s=41
